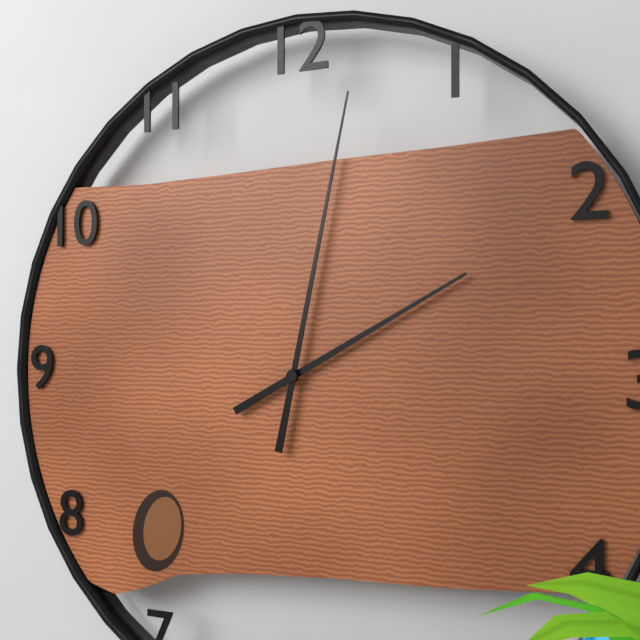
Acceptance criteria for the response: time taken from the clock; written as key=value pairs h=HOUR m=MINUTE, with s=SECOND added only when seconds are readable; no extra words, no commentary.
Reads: h=2 m=2
